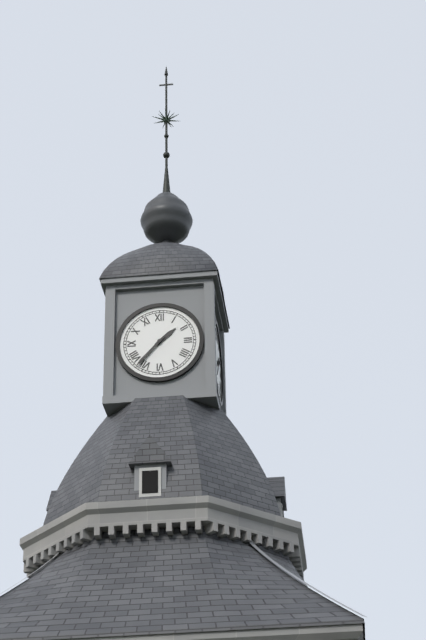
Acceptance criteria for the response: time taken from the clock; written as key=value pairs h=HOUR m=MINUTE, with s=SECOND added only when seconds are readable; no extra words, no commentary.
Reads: h=1 m=37
